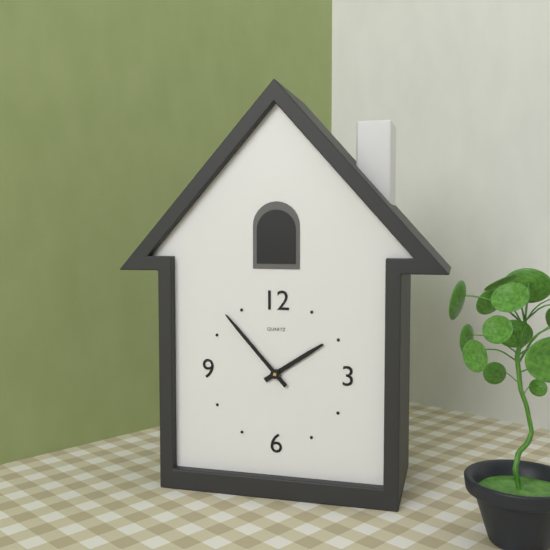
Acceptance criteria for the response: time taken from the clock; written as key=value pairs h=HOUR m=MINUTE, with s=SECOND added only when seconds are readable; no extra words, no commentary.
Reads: h=1 m=53
